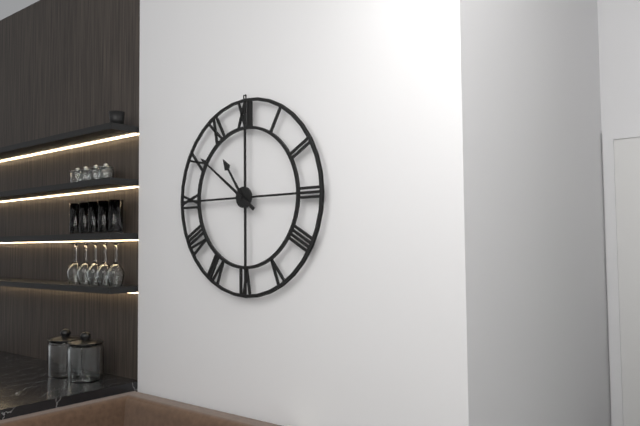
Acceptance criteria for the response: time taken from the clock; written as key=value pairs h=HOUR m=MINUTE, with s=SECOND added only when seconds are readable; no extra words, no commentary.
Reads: h=10 m=51
